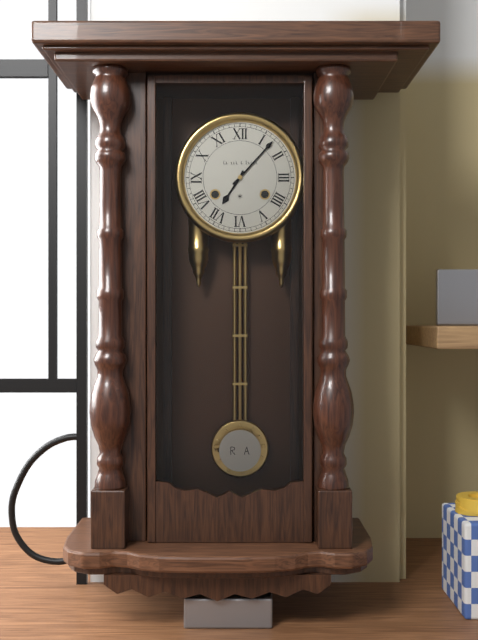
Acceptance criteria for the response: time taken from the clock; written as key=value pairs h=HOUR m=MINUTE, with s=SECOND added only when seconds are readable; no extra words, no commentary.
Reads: h=7 m=7
